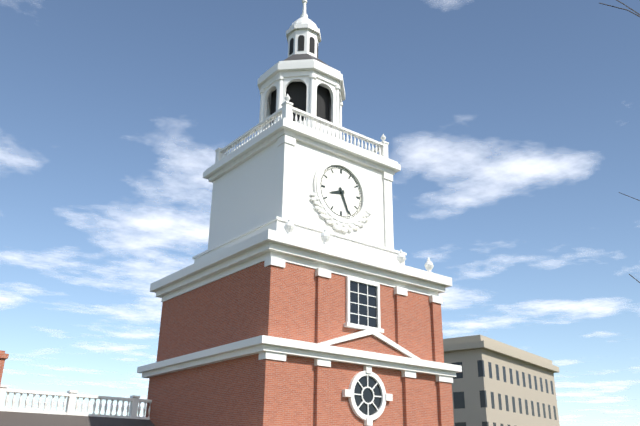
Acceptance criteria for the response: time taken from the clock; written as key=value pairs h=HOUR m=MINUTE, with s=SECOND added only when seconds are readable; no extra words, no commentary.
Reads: h=8 m=26
